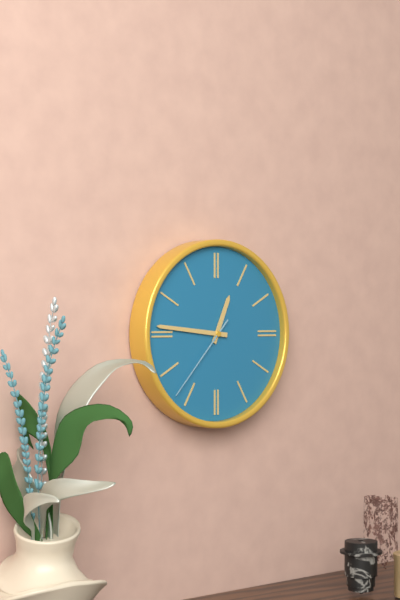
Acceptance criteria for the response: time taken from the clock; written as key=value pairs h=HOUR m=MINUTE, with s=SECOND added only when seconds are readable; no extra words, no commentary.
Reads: h=12 m=46 s=37
